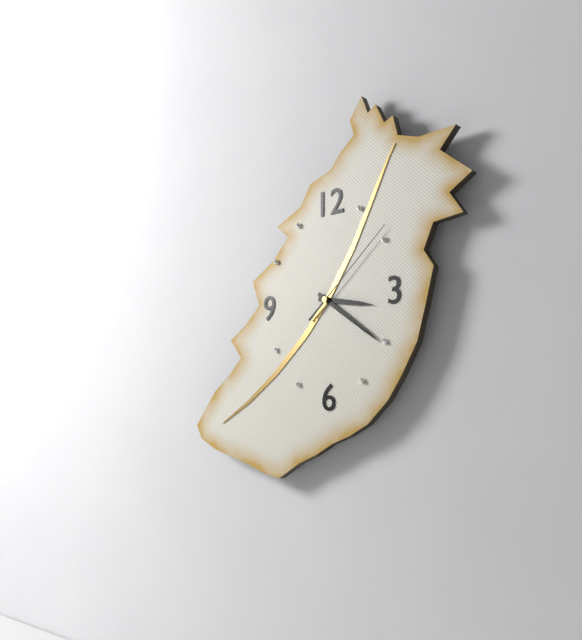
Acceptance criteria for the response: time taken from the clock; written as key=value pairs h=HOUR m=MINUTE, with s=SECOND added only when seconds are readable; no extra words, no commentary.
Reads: h=3 m=21 s=8
